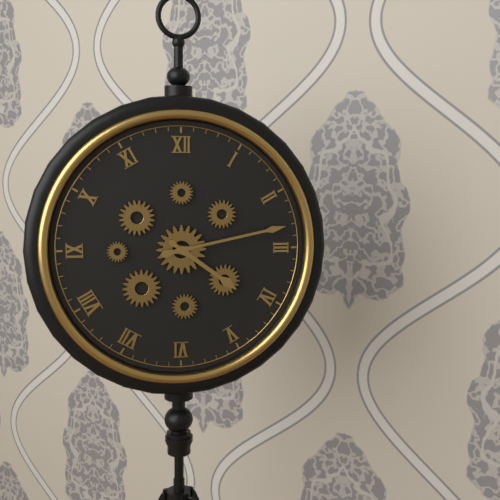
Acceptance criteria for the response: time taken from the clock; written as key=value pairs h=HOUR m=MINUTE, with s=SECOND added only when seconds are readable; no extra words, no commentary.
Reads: h=4 m=13
